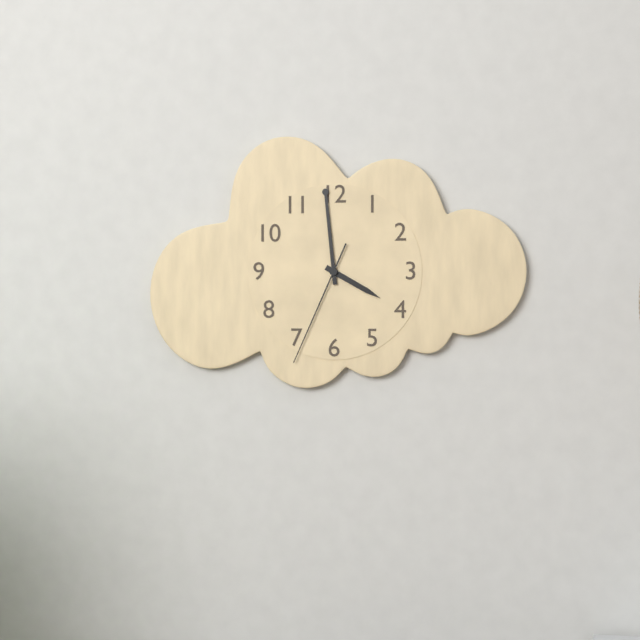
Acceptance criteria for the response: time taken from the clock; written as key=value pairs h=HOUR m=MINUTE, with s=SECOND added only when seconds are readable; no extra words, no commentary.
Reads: h=3 m=59 s=34
